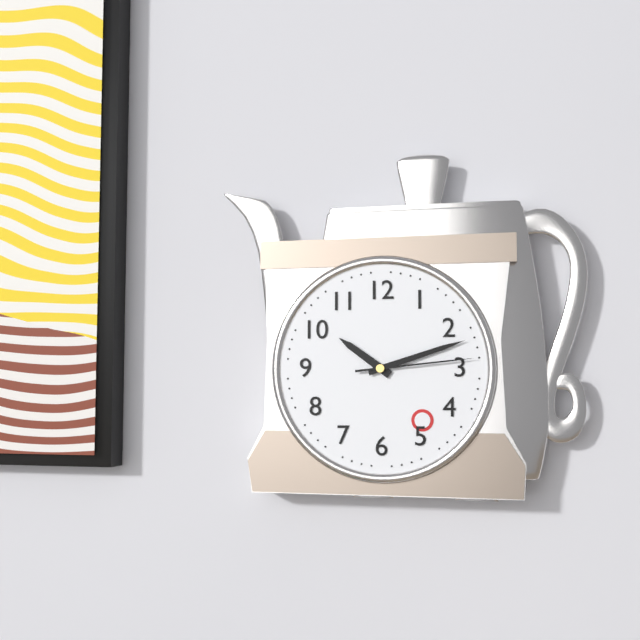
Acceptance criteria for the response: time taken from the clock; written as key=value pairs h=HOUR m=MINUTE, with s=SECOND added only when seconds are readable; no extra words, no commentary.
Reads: h=10 m=12 s=14
